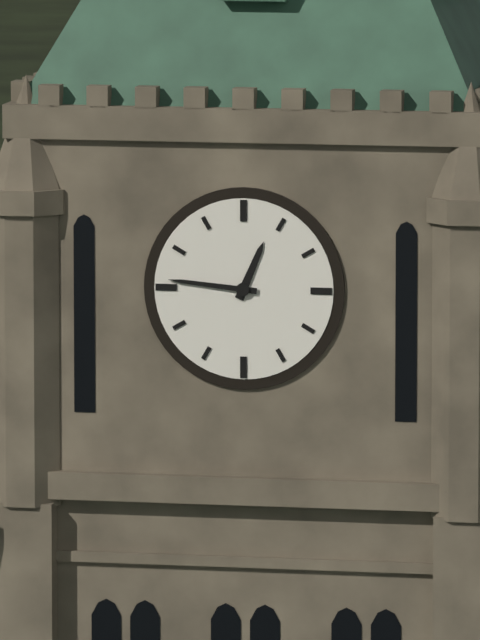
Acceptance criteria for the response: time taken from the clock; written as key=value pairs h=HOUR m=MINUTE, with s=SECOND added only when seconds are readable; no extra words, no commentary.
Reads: h=12 m=46
